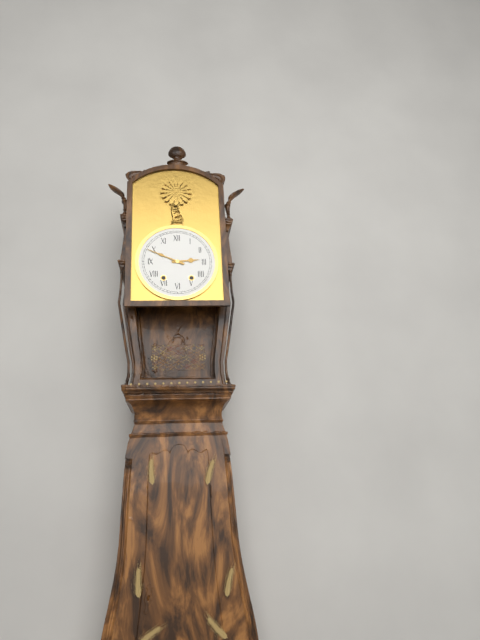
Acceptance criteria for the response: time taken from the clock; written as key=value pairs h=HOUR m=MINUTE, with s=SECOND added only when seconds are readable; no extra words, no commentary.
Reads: h=2 m=49
